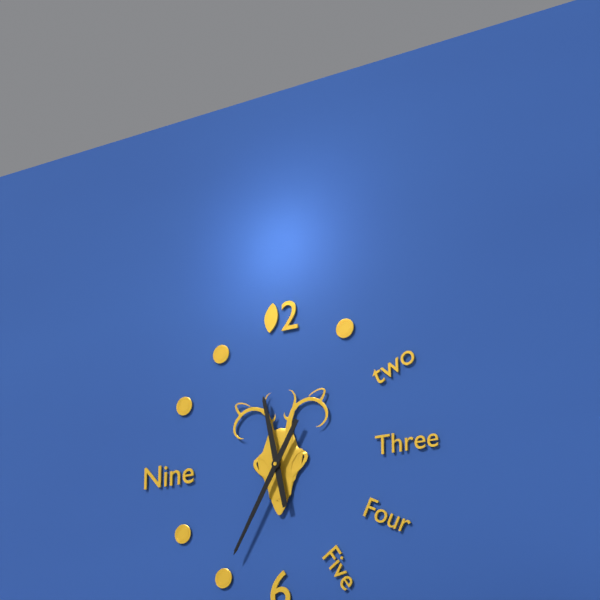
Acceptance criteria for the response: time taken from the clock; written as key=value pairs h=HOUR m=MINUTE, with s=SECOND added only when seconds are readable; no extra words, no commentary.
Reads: h=11 m=35
